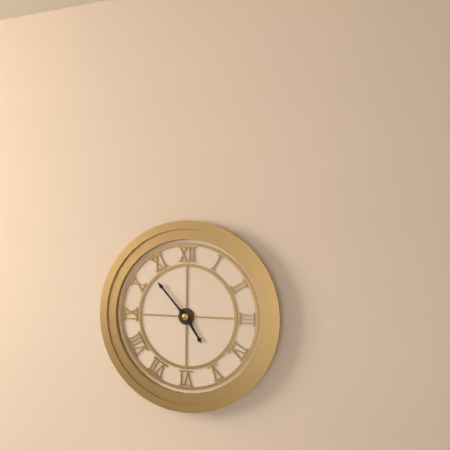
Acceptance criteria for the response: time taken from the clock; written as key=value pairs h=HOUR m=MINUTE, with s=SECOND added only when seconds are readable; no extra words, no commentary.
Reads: h=4 m=53
